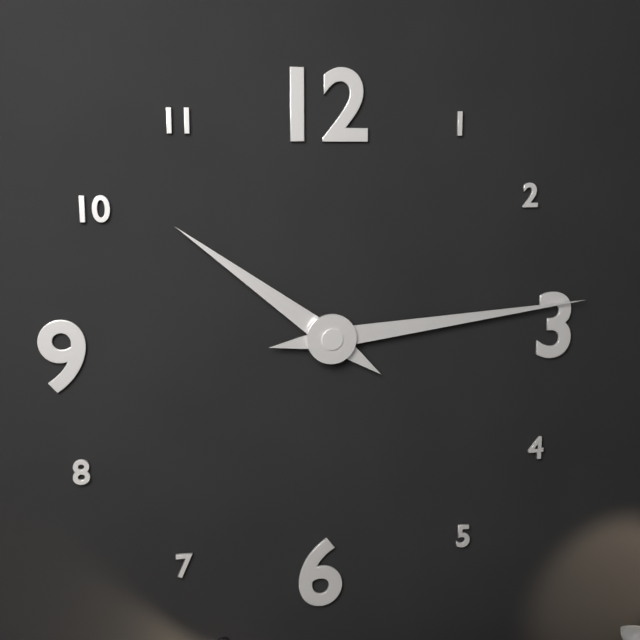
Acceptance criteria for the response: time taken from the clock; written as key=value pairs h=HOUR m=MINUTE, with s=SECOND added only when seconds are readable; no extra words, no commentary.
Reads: h=10 m=14
